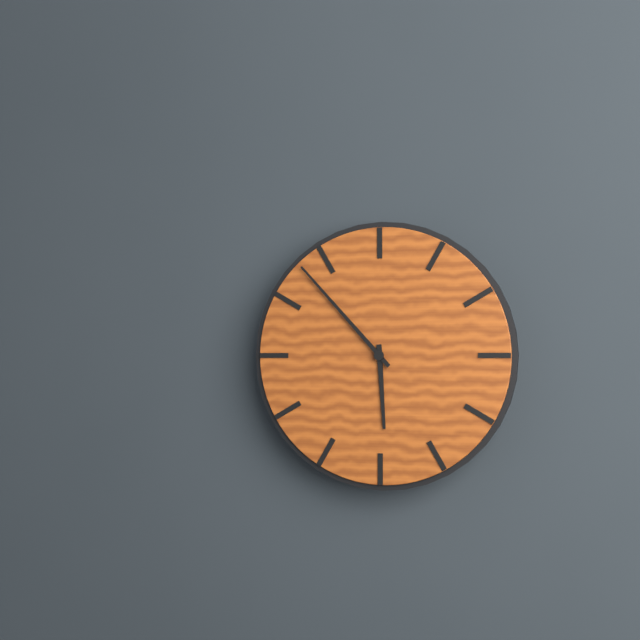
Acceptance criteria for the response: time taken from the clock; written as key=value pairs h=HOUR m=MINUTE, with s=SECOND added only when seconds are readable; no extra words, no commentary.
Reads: h=5 m=53
